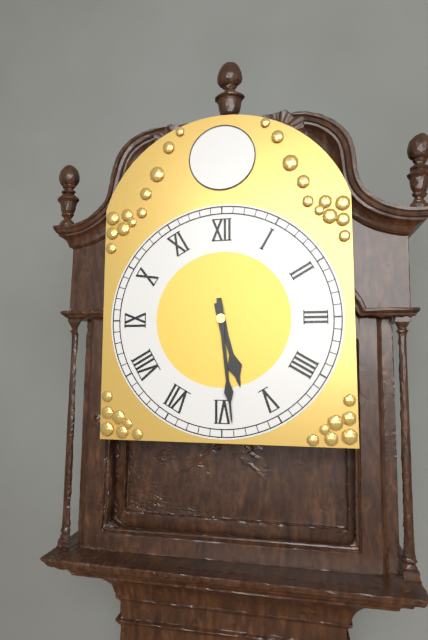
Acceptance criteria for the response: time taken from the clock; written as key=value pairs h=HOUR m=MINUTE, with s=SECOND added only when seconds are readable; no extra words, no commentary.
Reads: h=5 m=29
